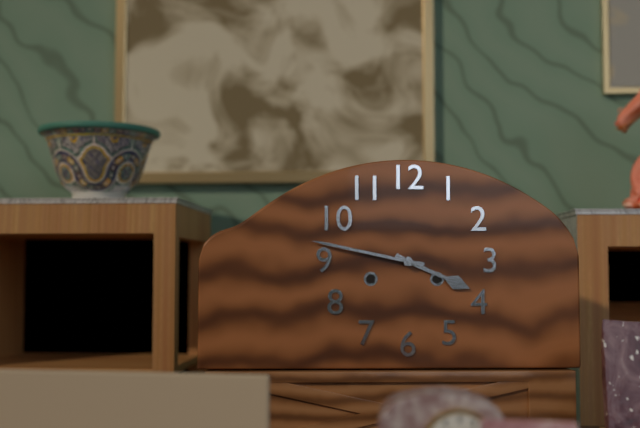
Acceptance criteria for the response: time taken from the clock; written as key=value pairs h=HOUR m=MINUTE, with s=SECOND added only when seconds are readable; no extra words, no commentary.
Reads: h=3 m=47
